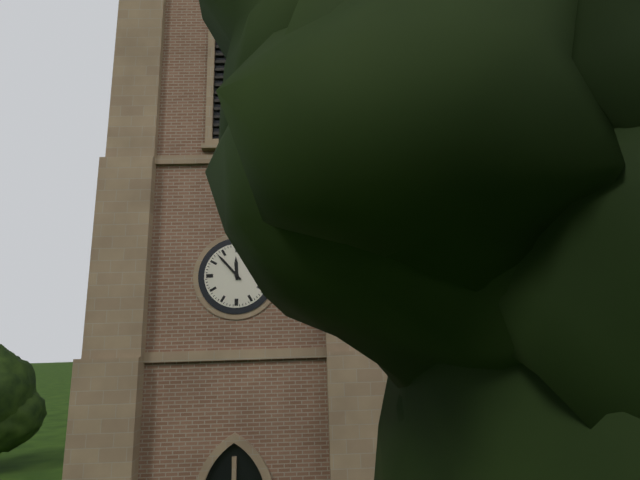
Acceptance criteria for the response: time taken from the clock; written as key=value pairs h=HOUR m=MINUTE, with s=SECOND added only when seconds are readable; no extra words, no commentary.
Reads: h=11 m=53
